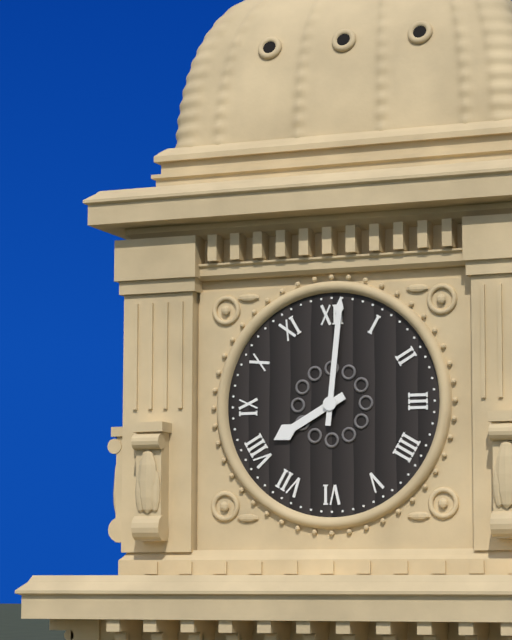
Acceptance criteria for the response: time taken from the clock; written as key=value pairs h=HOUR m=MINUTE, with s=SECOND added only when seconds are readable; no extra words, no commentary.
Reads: h=8 m=1
